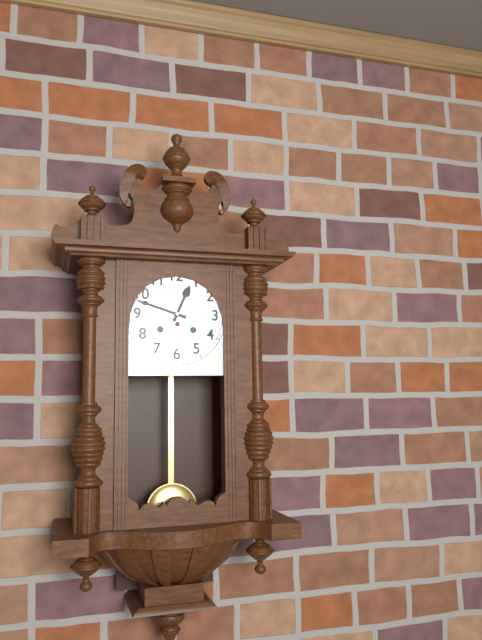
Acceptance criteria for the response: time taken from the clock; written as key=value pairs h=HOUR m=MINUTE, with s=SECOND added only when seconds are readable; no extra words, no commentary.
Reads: h=12 m=48
